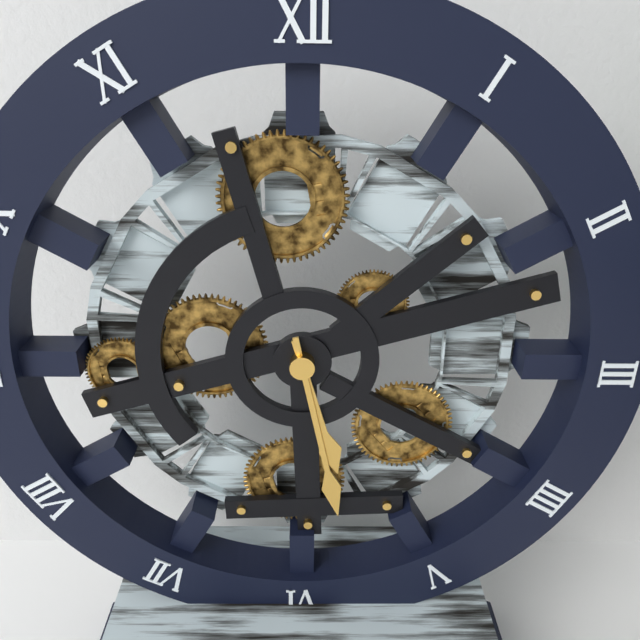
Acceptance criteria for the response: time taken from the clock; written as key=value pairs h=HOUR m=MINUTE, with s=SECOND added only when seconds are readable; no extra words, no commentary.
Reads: h=5 m=28
